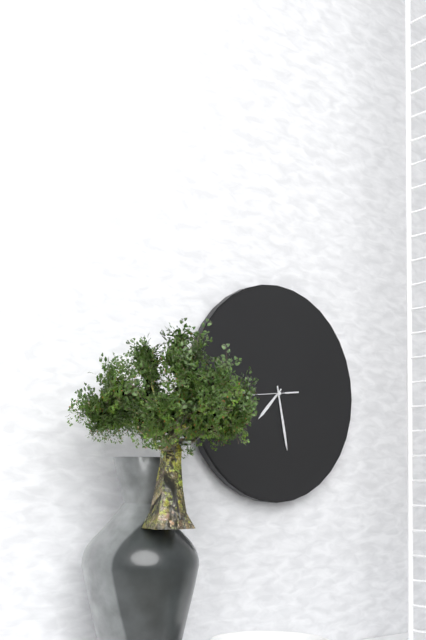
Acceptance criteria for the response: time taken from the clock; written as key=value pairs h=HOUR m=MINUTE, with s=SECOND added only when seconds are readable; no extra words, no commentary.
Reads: h=7 m=28
